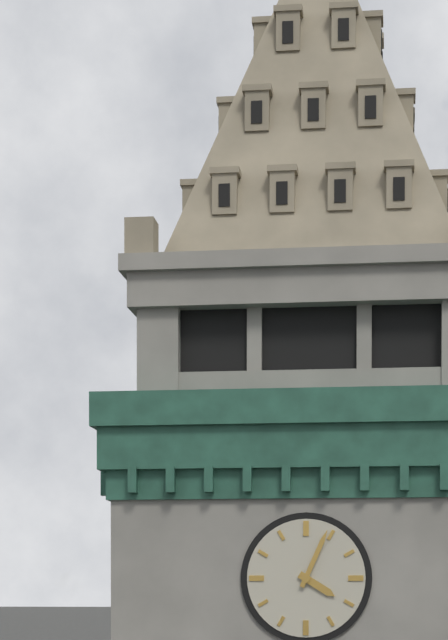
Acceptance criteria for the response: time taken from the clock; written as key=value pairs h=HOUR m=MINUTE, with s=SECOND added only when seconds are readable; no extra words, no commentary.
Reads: h=4 m=4
